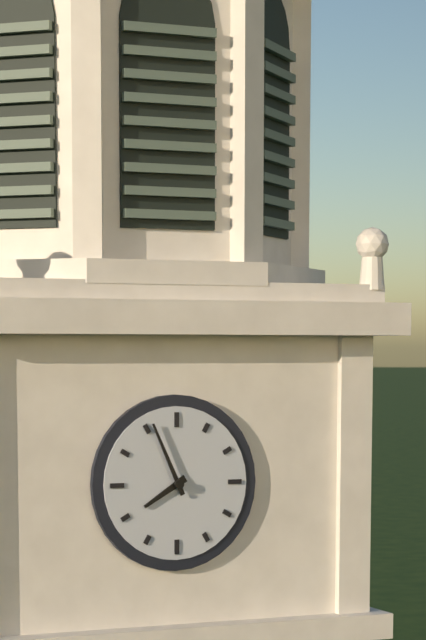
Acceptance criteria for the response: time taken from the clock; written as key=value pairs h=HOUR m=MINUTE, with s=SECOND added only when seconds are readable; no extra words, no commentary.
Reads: h=7 m=56
